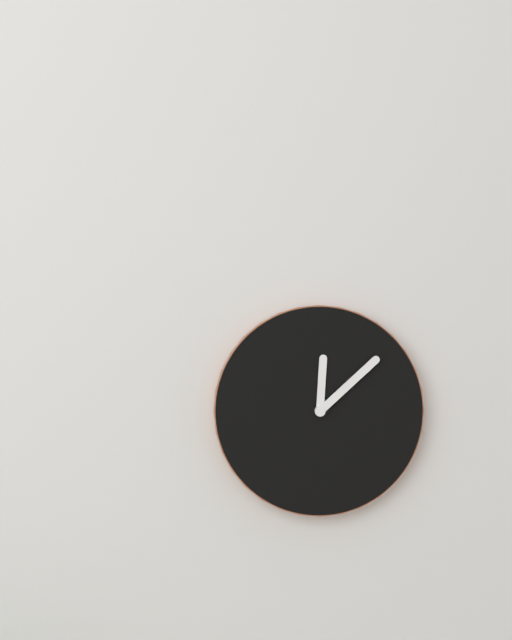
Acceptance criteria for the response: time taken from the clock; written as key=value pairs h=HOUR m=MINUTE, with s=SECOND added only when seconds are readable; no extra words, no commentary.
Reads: h=12 m=8
